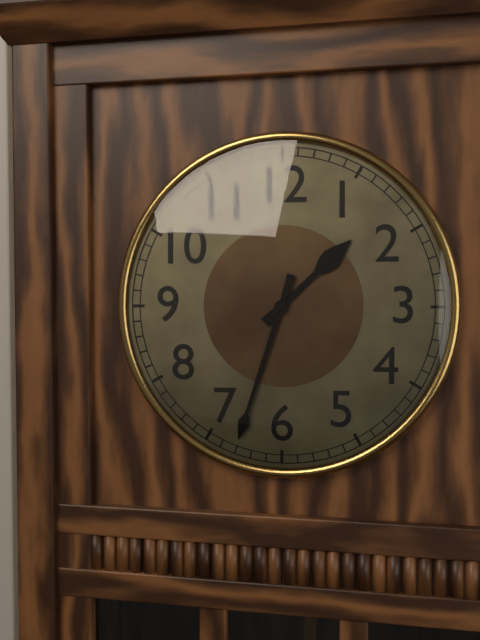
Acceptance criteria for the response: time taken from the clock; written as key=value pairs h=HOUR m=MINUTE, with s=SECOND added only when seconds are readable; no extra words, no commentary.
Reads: h=1 m=33
